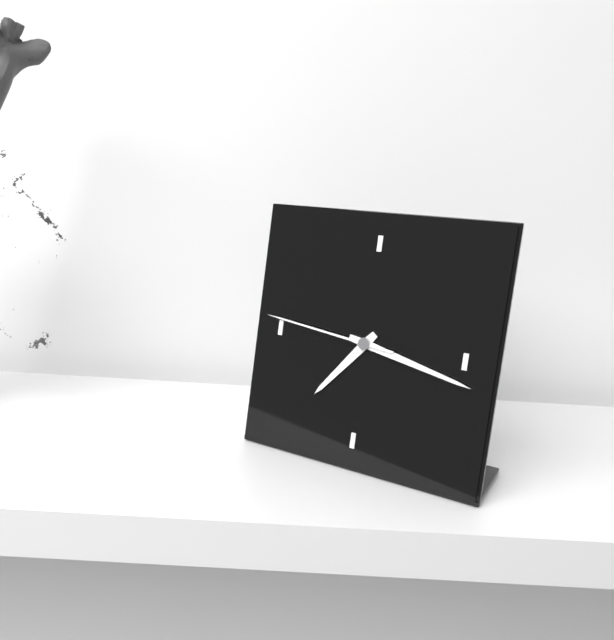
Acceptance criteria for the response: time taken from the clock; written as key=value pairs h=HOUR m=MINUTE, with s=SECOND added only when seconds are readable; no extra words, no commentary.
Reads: h=7 m=17 s=46
